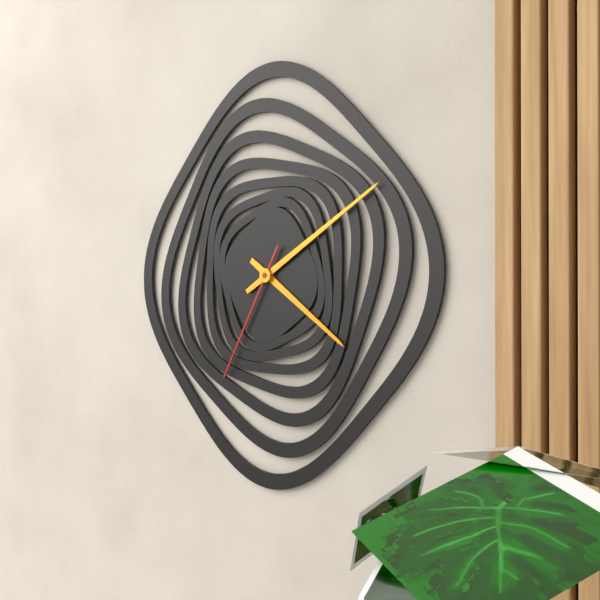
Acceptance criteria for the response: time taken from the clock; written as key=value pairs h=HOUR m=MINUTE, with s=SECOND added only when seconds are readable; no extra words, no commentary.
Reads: h=4 m=10 s=35
